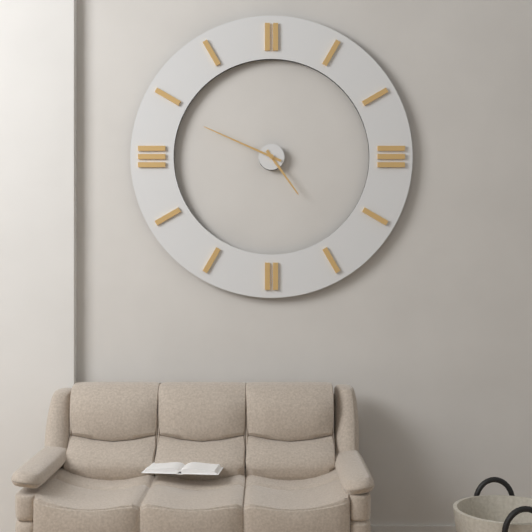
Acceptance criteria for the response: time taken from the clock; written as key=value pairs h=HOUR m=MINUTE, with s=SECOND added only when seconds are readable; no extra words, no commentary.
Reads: h=4 m=49
